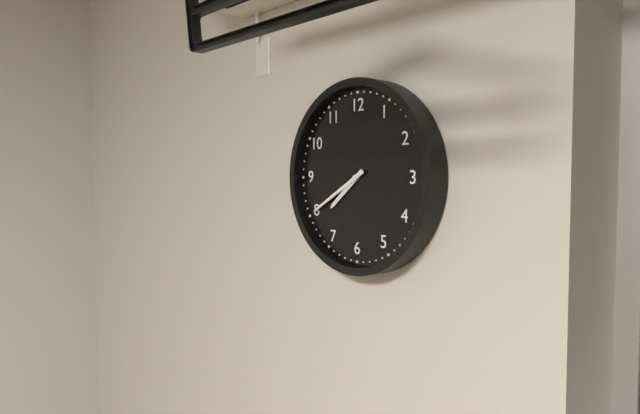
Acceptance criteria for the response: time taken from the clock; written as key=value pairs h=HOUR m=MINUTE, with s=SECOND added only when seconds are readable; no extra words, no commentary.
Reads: h=7 m=40
